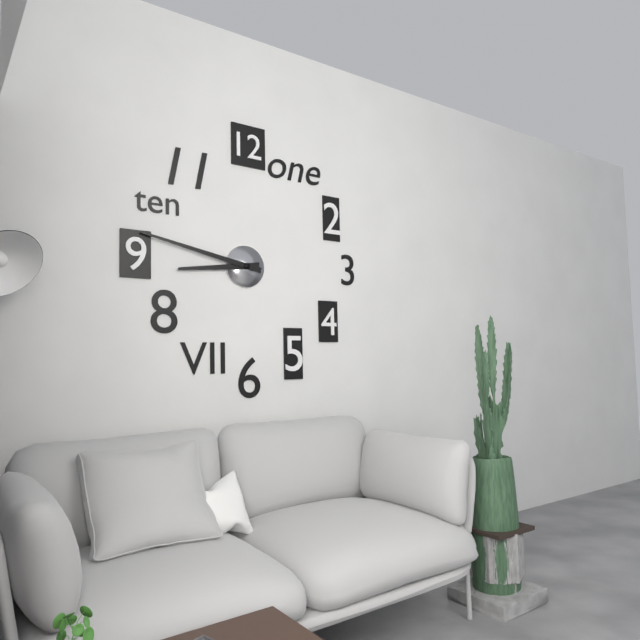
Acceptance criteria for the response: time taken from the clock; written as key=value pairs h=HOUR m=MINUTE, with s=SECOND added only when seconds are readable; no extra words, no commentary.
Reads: h=8 m=47
